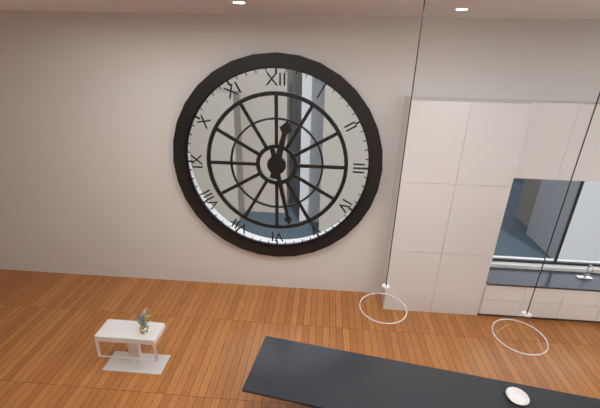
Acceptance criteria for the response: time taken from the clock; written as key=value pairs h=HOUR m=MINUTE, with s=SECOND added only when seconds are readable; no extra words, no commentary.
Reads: h=12 m=28
